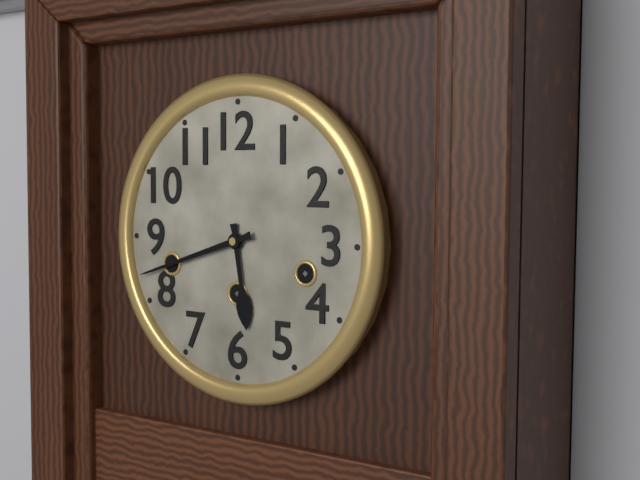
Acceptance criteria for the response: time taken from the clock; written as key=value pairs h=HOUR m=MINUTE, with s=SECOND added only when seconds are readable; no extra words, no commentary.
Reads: h=5 m=42
